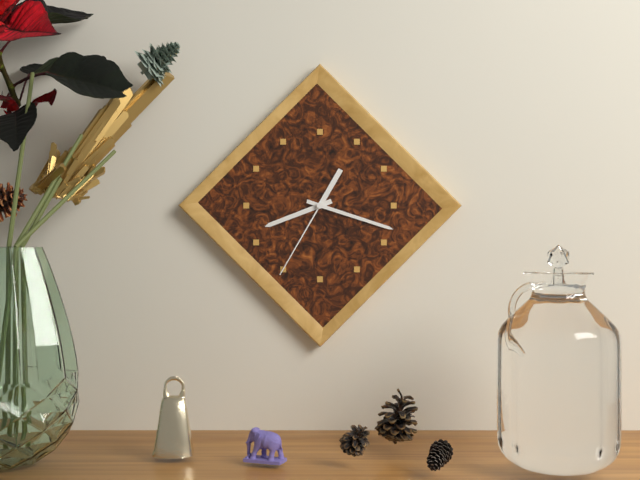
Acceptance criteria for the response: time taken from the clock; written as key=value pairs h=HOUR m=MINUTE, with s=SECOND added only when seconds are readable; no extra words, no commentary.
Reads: h=8 m=18 s=35
